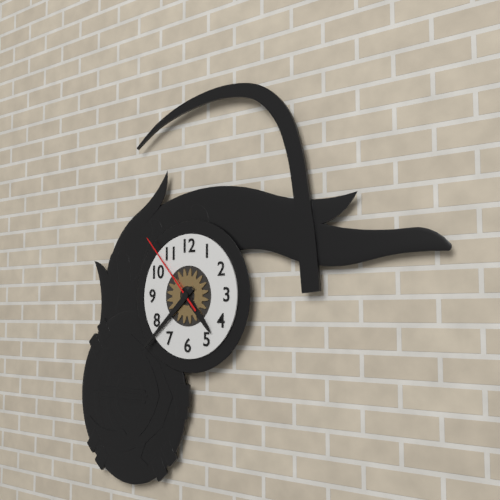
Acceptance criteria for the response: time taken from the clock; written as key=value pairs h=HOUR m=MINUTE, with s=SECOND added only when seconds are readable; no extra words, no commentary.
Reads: h=4 m=38 s=53
